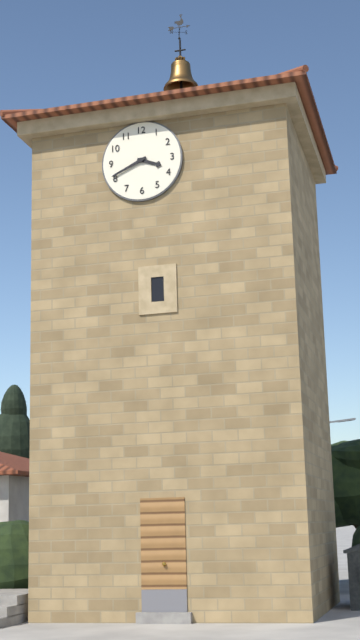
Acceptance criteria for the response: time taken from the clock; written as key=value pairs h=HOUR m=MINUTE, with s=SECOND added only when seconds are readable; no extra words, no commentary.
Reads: h=3 m=41
